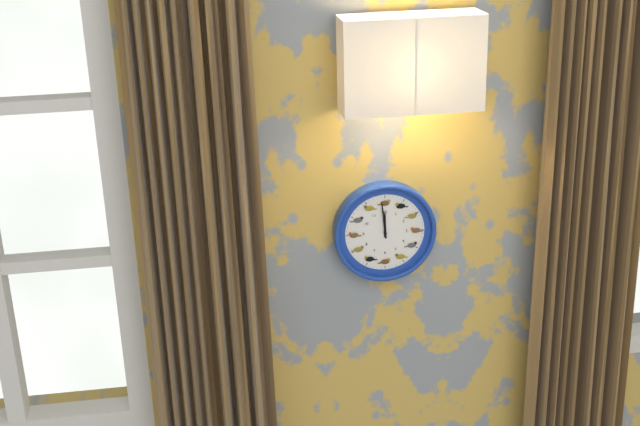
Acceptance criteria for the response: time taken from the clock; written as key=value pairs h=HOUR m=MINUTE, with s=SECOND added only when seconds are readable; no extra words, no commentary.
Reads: h=11 m=59
